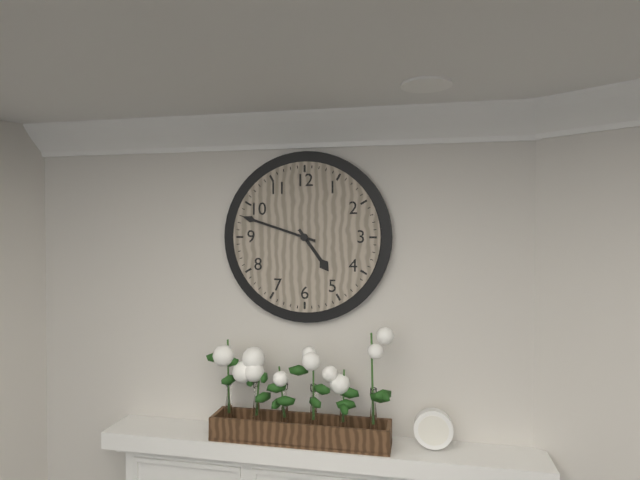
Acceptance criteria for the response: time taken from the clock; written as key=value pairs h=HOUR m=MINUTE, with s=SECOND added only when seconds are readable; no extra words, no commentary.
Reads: h=4 m=48
